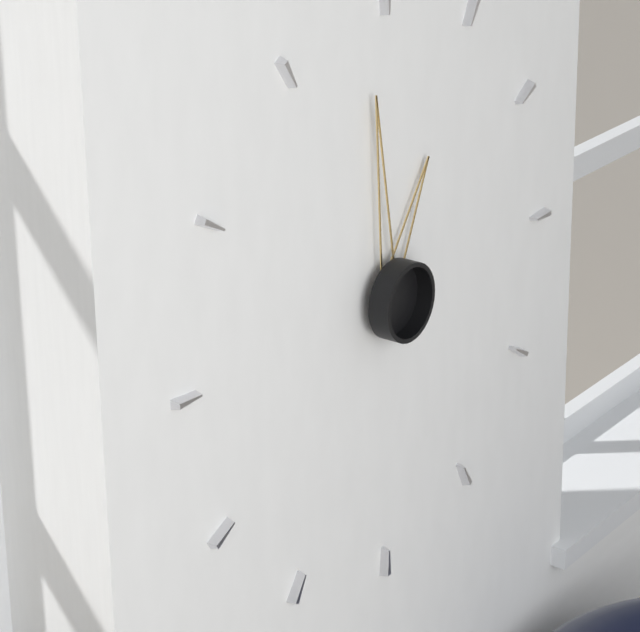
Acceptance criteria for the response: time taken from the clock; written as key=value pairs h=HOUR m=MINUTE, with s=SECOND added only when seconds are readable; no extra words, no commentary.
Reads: h=12 m=59
